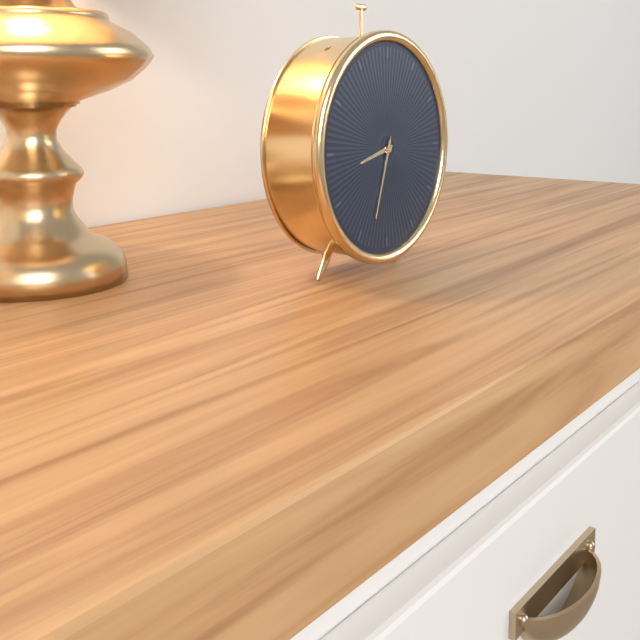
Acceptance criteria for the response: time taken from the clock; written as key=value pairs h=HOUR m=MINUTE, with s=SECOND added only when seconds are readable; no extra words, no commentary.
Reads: h=8 m=33
